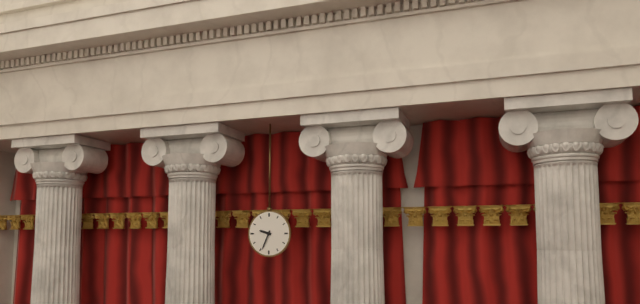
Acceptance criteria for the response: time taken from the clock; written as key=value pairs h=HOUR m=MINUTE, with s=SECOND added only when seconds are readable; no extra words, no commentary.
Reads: h=9 m=34
